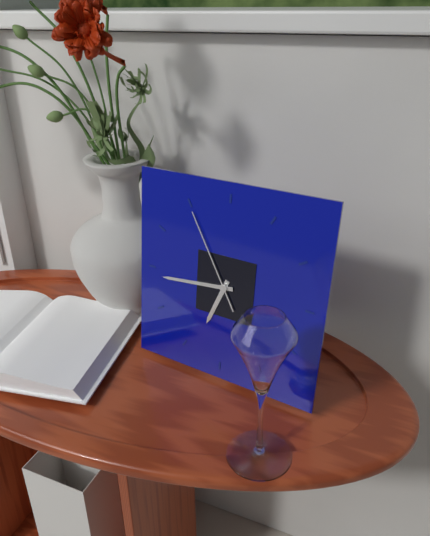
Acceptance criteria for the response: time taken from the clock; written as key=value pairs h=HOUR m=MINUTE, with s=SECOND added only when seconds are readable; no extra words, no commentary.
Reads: h=6 m=44 s=55
